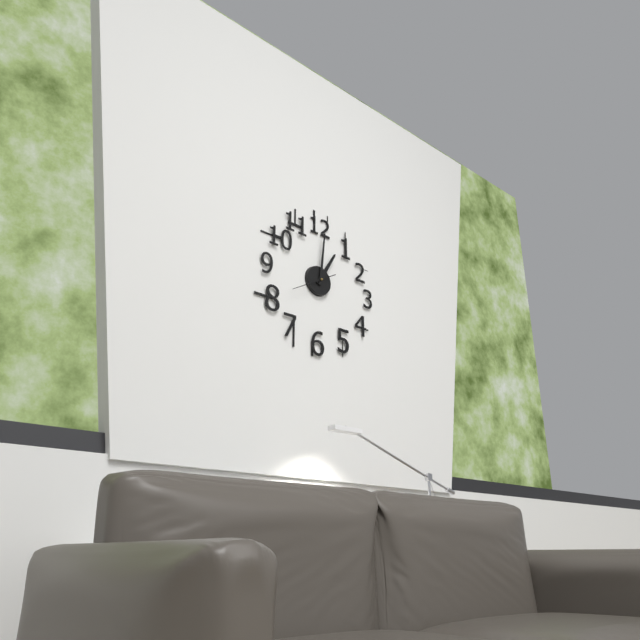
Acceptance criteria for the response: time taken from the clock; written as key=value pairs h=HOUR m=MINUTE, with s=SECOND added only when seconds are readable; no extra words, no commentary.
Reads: h=1 m=1
